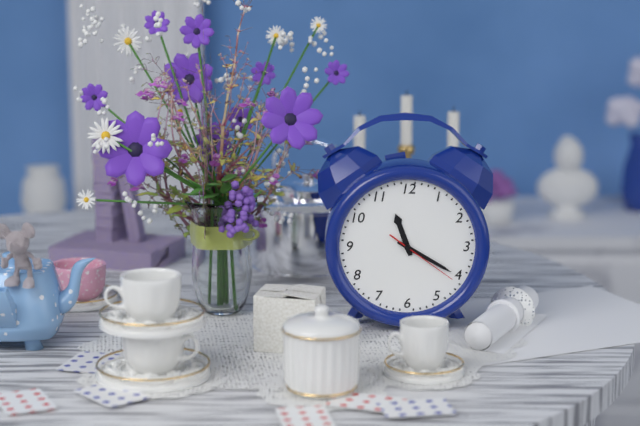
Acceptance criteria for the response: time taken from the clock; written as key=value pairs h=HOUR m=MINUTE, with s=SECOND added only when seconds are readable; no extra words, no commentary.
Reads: h=11 m=20 s=21
